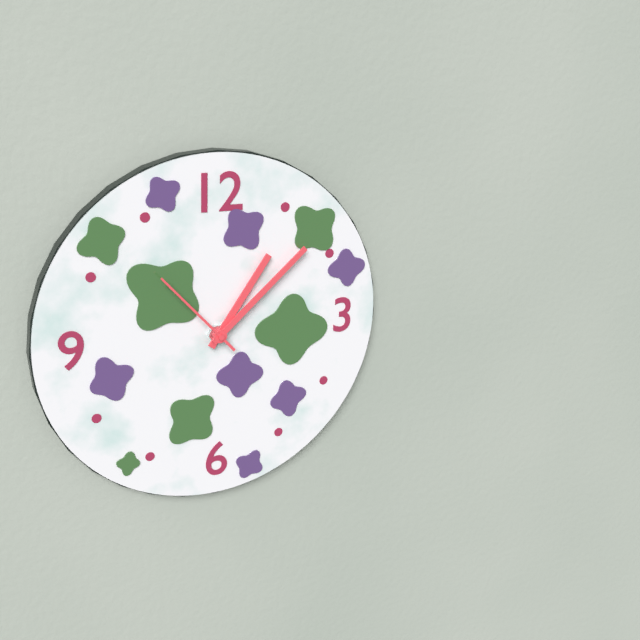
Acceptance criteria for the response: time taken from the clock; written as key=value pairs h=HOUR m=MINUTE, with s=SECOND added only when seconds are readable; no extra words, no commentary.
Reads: h=1 m=8 s=53
